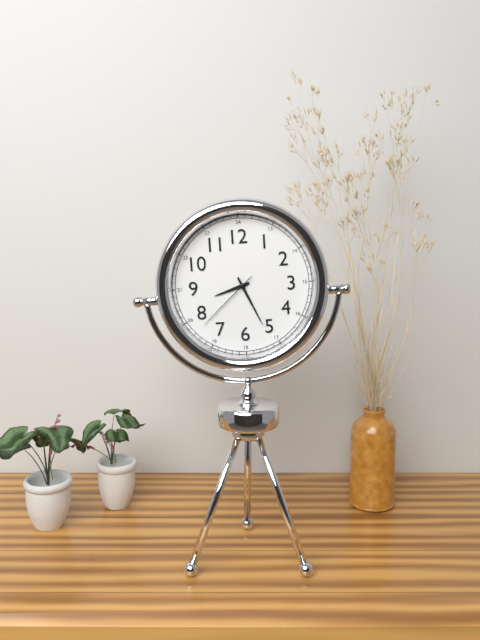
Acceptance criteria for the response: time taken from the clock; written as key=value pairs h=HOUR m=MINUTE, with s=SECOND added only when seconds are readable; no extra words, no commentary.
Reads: h=8 m=26 s=38
